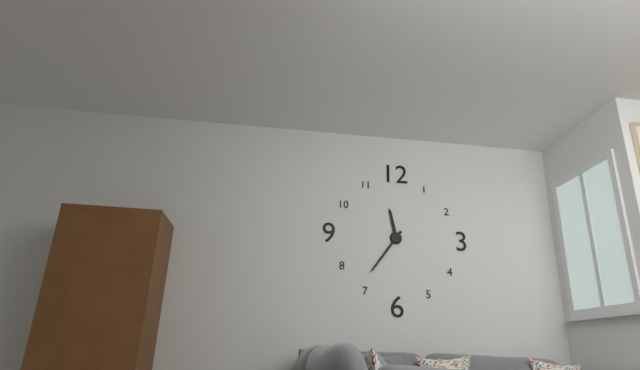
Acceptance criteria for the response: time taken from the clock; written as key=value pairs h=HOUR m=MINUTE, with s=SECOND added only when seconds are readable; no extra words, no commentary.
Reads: h=11 m=36
